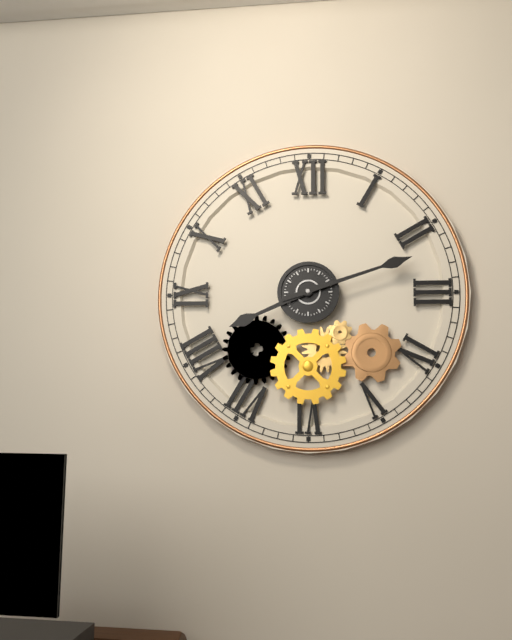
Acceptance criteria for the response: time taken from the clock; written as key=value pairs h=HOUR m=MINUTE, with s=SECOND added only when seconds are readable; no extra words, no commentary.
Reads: h=8 m=12
